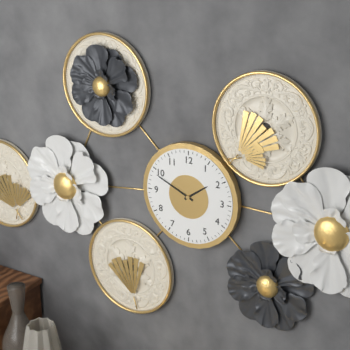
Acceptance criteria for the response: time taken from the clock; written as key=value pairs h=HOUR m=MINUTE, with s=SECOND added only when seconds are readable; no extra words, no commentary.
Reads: h=1 m=49
